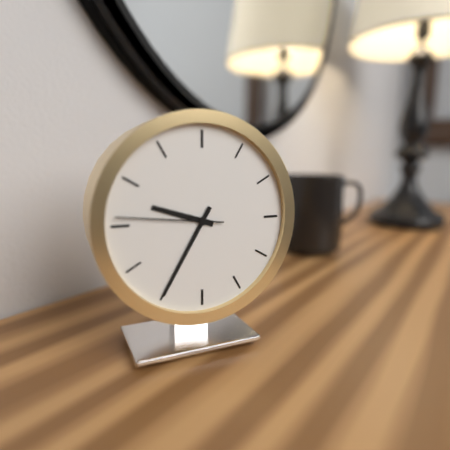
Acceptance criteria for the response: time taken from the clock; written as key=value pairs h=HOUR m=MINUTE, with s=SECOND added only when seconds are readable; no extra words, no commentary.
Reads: h=9 m=35 s=46
